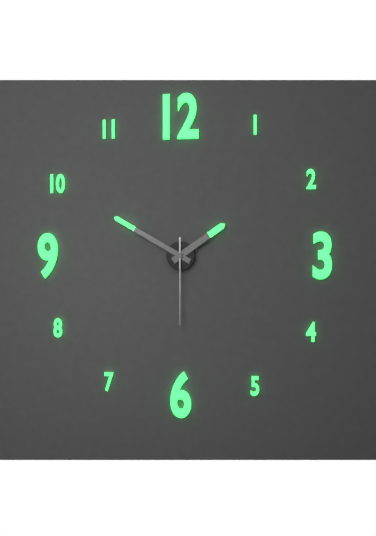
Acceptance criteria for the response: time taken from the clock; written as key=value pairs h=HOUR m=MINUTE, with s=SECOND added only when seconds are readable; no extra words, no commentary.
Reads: h=1 m=50 s=30
